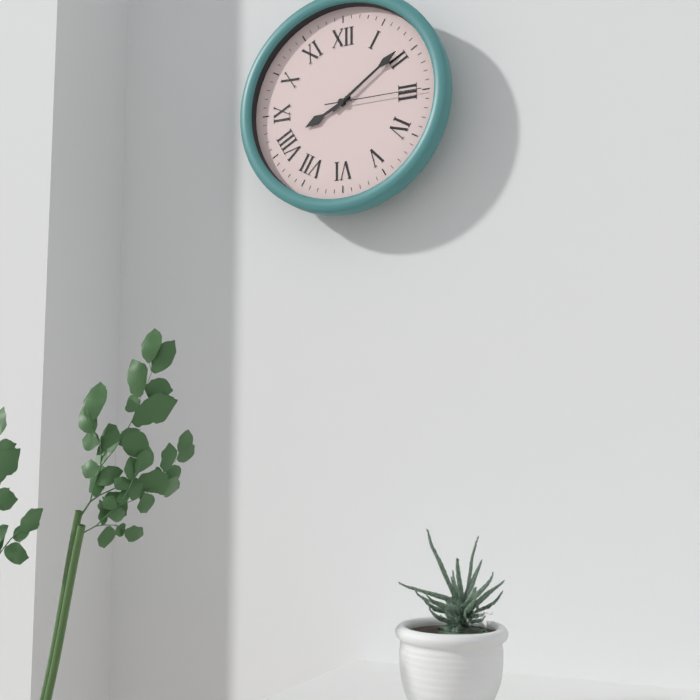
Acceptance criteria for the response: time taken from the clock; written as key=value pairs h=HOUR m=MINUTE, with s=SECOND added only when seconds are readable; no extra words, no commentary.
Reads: h=8 m=9 s=15
